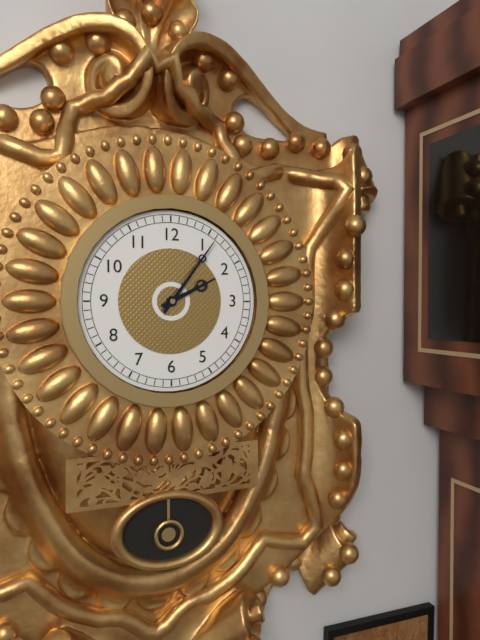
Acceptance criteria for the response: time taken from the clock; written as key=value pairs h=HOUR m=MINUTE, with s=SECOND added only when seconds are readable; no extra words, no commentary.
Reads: h=2 m=6
